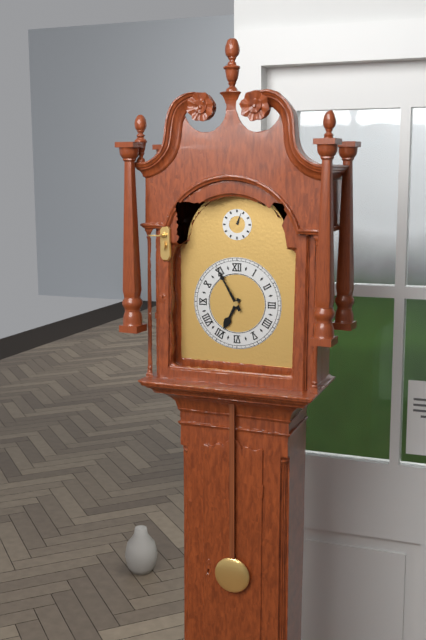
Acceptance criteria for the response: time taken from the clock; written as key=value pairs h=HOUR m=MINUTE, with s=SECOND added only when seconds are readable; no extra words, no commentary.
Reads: h=6 m=55
